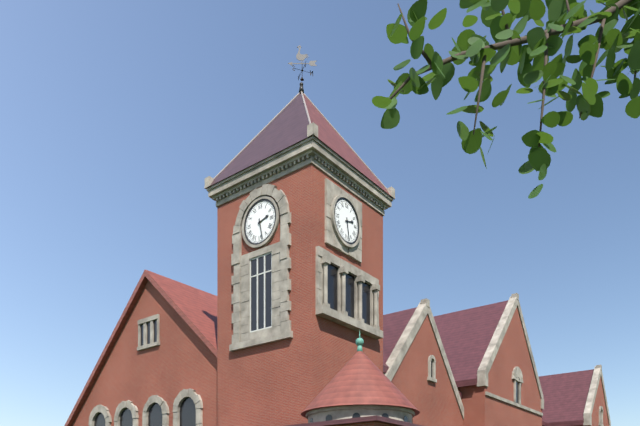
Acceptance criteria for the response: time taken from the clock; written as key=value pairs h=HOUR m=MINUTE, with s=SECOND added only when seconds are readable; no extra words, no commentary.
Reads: h=2 m=28
